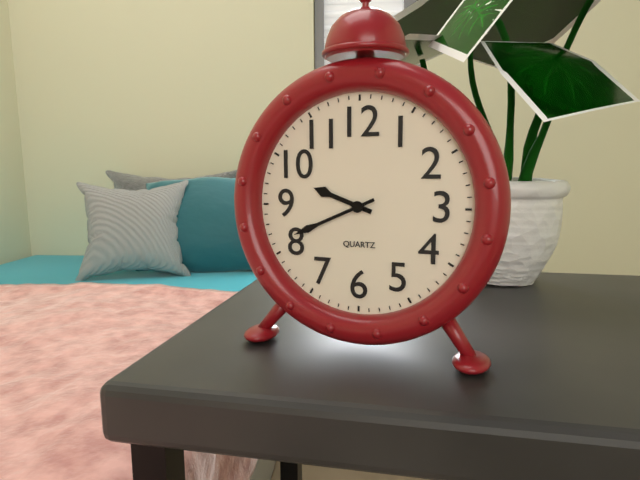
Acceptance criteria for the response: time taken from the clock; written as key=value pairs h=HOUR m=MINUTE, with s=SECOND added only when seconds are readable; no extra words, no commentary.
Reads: h=9 m=41
